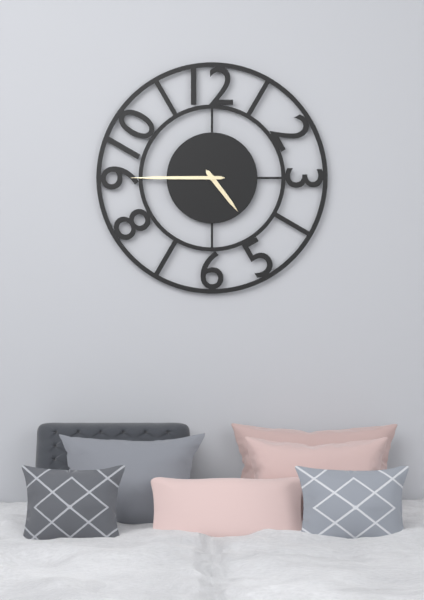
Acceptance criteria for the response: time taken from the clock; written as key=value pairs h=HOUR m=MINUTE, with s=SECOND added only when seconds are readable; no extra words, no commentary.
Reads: h=4 m=45
